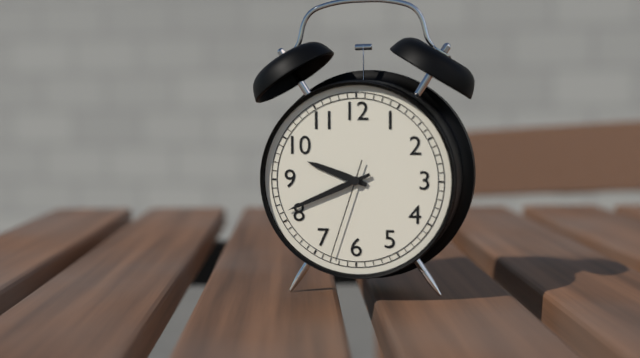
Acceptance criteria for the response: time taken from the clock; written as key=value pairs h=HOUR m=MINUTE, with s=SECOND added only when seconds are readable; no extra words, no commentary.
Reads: h=9 m=41 s=33
